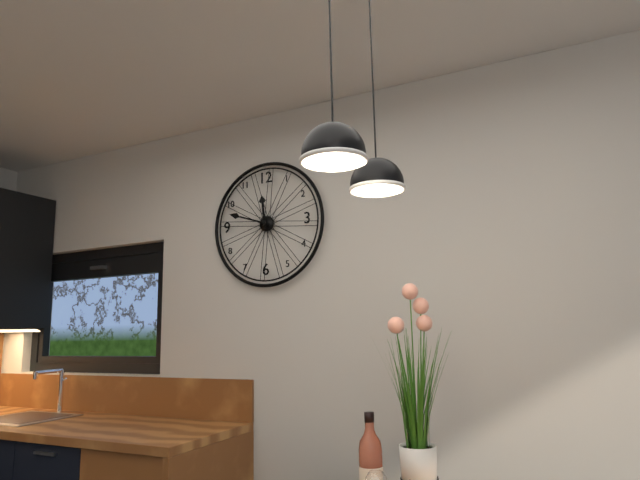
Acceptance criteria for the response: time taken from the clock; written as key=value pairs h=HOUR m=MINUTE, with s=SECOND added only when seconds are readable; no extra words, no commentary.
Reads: h=11 m=48
